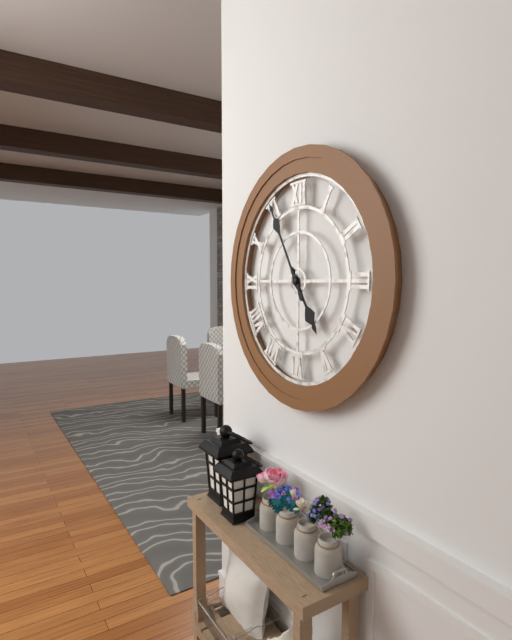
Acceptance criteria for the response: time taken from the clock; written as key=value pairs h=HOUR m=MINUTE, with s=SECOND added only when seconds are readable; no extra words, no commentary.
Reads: h=4 m=55
